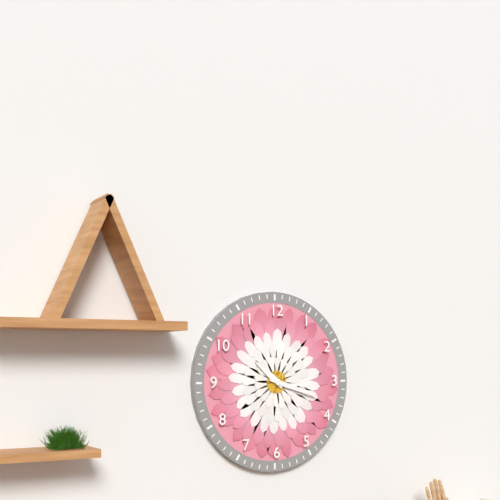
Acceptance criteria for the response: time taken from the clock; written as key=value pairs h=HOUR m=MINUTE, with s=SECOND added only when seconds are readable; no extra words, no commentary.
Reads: h=10 m=18
